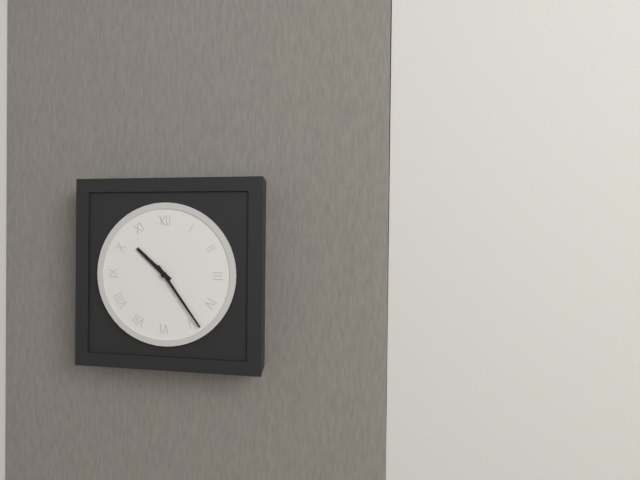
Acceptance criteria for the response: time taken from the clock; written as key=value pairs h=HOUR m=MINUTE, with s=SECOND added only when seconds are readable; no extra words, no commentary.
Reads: h=10 m=24
